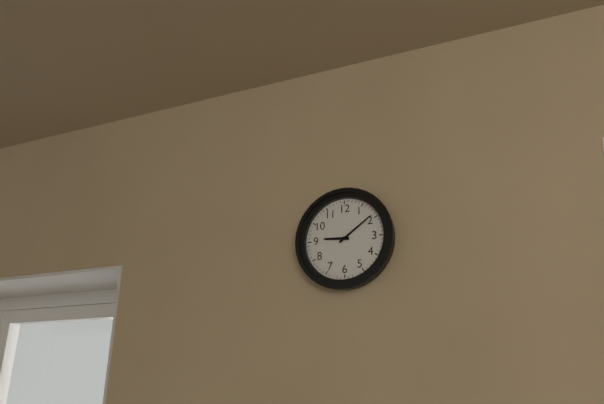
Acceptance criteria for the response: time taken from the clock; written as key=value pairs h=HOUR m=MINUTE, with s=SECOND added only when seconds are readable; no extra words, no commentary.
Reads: h=9 m=9
